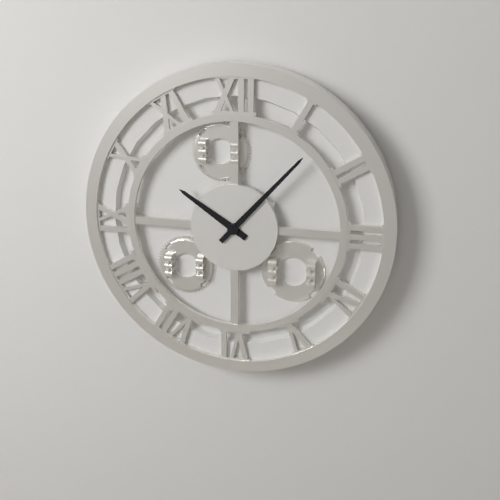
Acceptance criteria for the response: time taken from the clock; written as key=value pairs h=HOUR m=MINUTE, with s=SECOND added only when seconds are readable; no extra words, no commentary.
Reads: h=10 m=7
